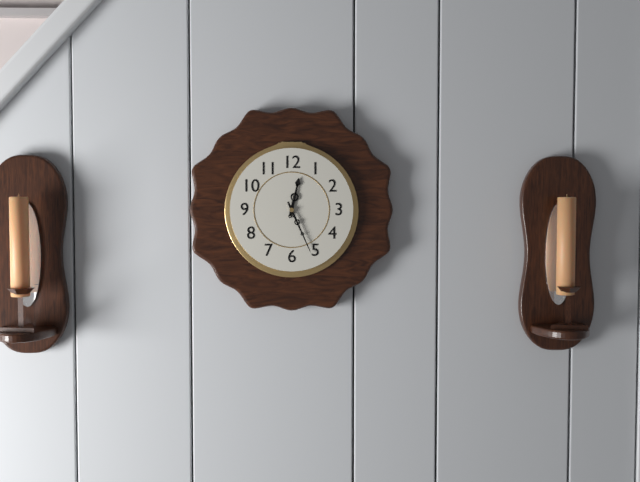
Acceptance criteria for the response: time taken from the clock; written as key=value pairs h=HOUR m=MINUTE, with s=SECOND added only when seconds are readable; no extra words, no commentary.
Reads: h=12 m=26
